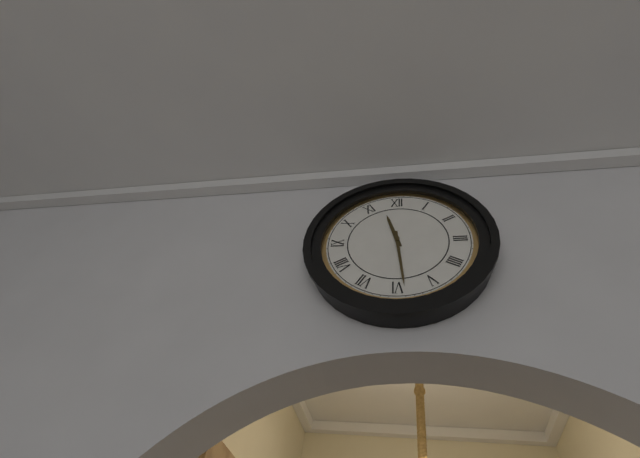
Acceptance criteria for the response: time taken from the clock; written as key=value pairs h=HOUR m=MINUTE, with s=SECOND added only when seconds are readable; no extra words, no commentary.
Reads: h=11 m=29
